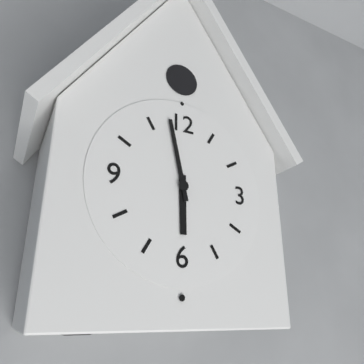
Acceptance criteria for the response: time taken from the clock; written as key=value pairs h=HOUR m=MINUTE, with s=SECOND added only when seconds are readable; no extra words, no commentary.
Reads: h=5 m=58
